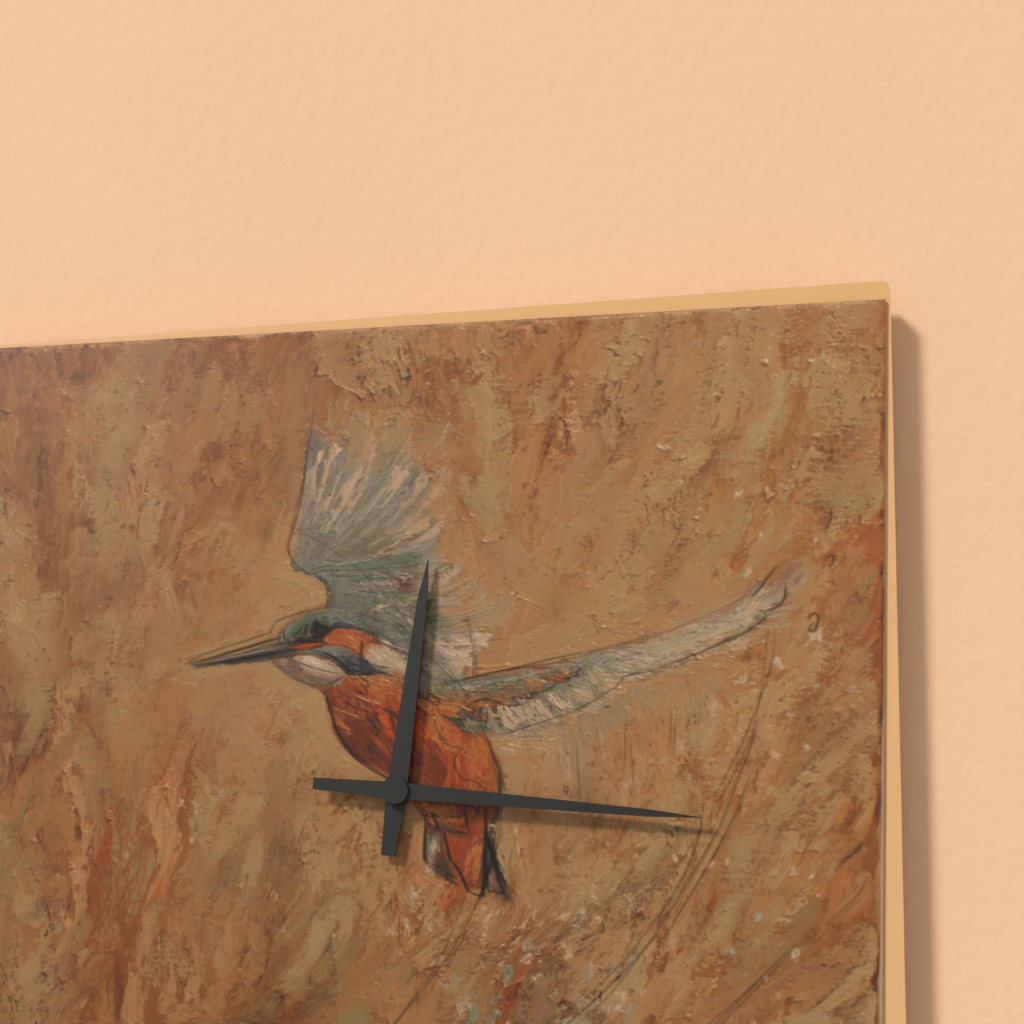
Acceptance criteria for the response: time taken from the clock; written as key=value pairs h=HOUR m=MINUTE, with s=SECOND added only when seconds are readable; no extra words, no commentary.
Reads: h=12 m=16
